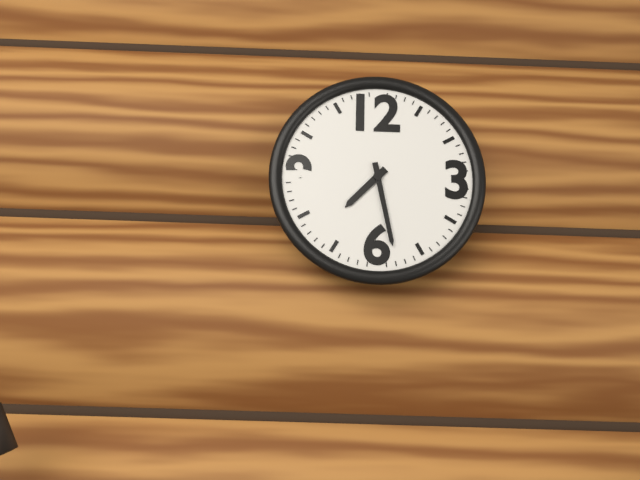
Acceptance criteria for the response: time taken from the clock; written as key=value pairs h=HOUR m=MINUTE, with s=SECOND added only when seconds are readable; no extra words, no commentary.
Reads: h=7 m=28
